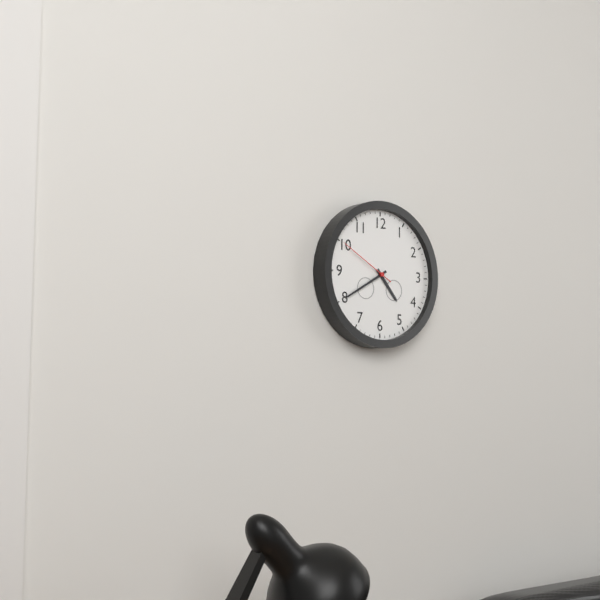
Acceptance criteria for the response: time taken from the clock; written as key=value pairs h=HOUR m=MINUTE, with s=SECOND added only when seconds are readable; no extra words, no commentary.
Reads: h=4 m=40 s=50
